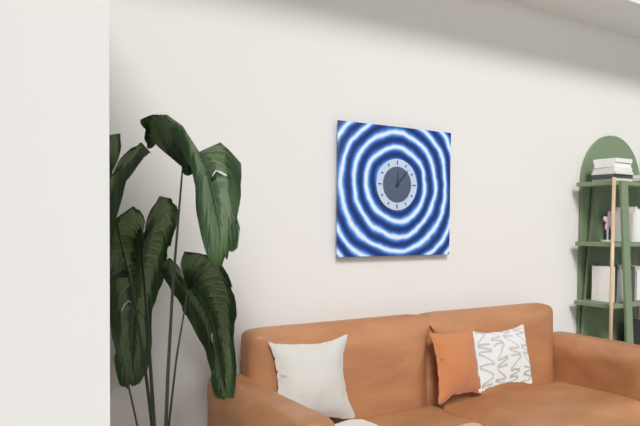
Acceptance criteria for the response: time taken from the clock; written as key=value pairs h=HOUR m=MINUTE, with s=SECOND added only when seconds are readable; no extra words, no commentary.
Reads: h=12 m=7
